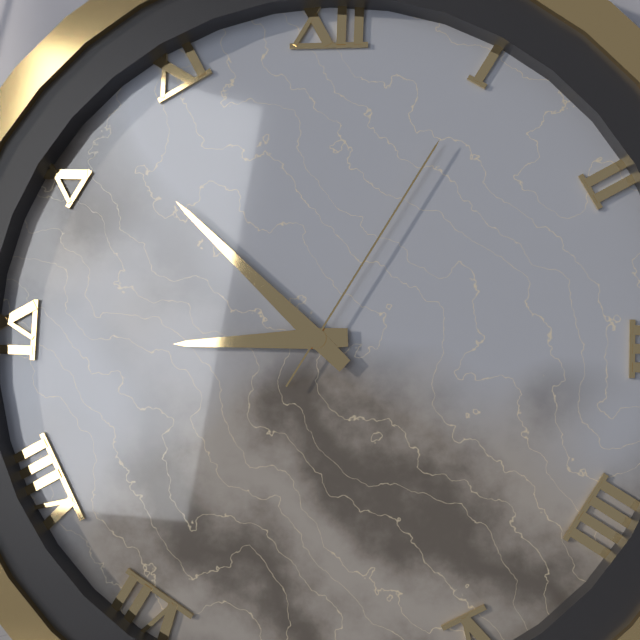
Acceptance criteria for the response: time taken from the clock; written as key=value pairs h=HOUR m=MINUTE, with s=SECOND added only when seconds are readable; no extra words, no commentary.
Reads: h=8 m=52 s=5
